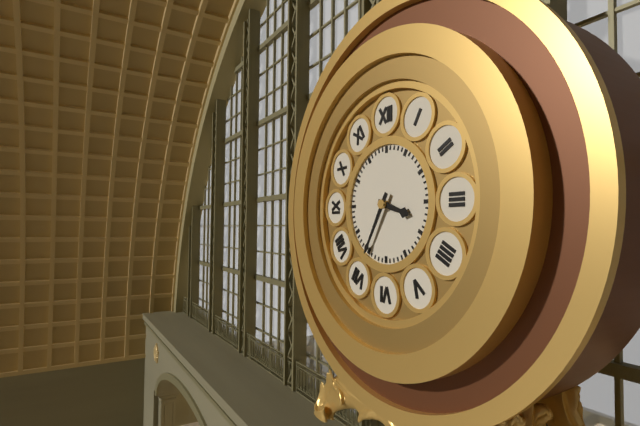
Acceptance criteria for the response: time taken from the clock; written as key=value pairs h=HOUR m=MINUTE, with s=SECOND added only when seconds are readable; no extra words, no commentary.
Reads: h=3 m=35
